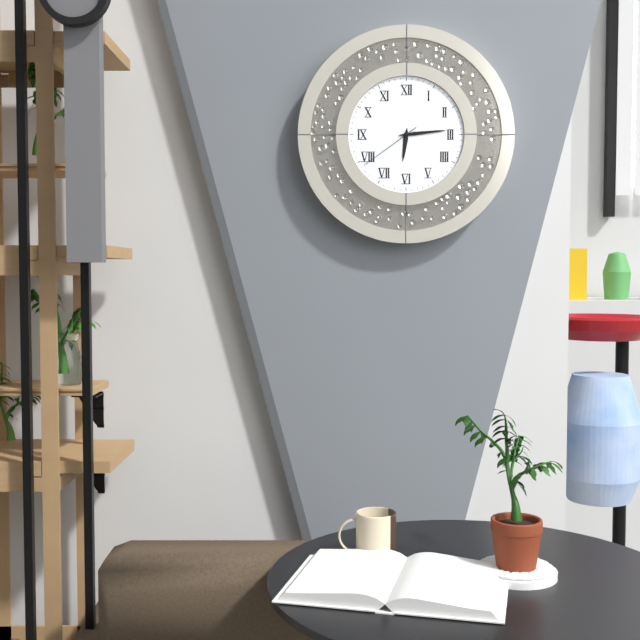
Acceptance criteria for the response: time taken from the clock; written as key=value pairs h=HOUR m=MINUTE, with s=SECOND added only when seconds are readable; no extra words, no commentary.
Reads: h=6 m=14 s=39
